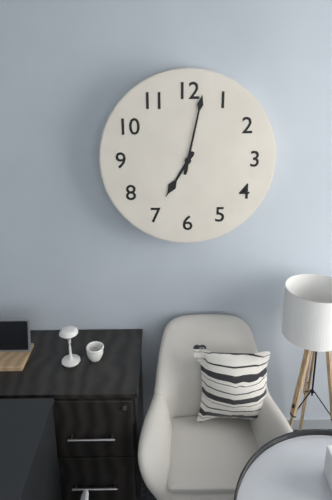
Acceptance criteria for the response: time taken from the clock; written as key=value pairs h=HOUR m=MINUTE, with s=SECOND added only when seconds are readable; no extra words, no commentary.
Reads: h=7 m=2
